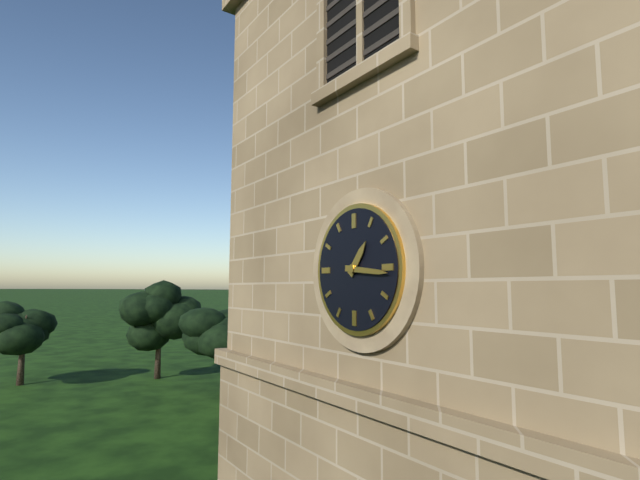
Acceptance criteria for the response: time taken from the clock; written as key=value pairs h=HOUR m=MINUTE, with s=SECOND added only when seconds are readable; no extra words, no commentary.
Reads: h=1 m=16
